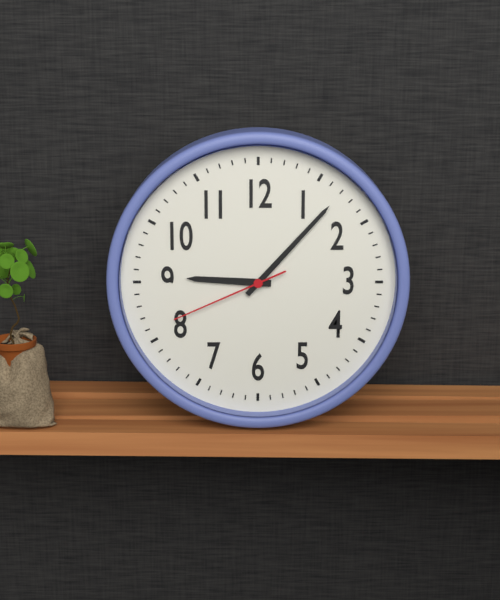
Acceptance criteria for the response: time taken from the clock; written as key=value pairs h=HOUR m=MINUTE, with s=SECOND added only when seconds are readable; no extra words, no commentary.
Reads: h=9 m=7 s=41
